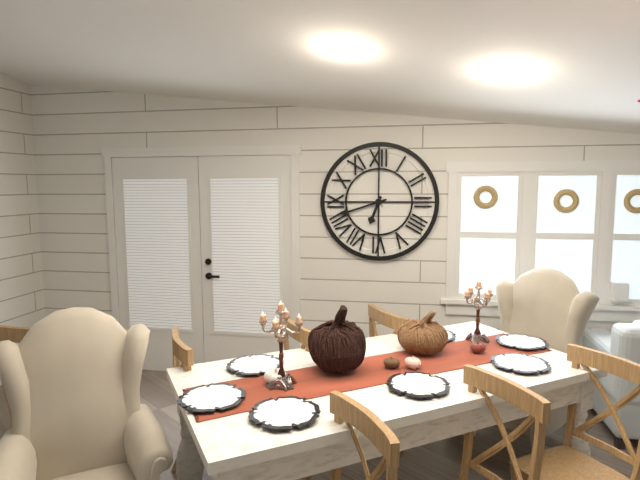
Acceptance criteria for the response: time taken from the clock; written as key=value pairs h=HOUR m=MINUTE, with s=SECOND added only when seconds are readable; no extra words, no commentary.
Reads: h=6 m=42
